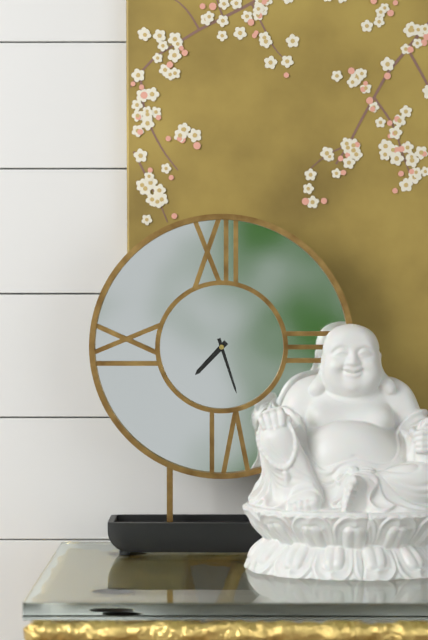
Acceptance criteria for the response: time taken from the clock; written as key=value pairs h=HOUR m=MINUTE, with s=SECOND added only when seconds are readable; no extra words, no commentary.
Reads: h=7 m=27
